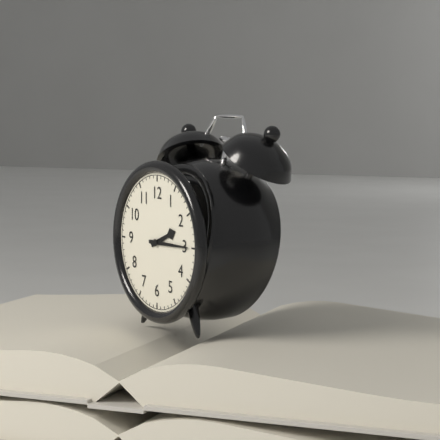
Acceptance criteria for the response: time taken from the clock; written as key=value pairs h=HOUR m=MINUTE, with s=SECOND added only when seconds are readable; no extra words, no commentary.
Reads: h=2 m=15
